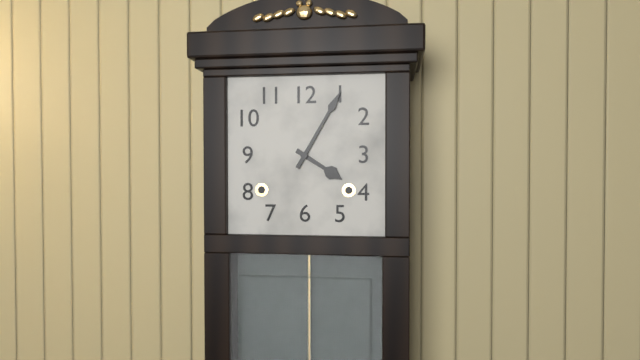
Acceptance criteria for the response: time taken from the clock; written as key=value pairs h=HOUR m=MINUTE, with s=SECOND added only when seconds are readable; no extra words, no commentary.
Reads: h=4 m=5
